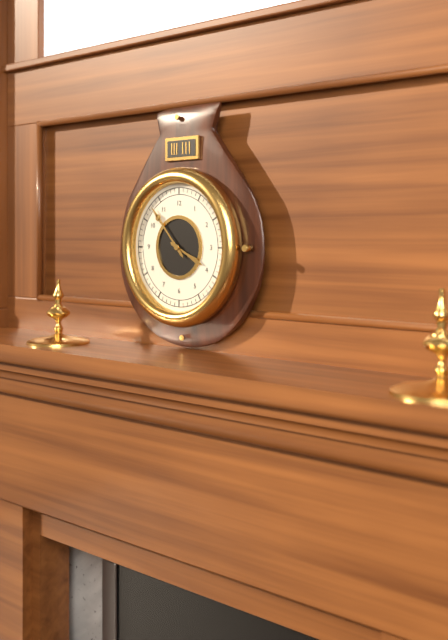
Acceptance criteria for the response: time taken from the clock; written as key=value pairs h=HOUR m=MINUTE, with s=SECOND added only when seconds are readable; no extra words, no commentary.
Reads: h=3 m=53
